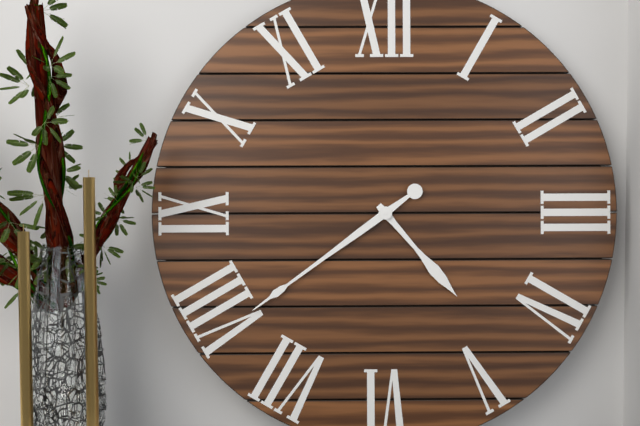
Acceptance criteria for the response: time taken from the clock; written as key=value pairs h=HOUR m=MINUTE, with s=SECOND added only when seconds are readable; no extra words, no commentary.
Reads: h=4 m=39
